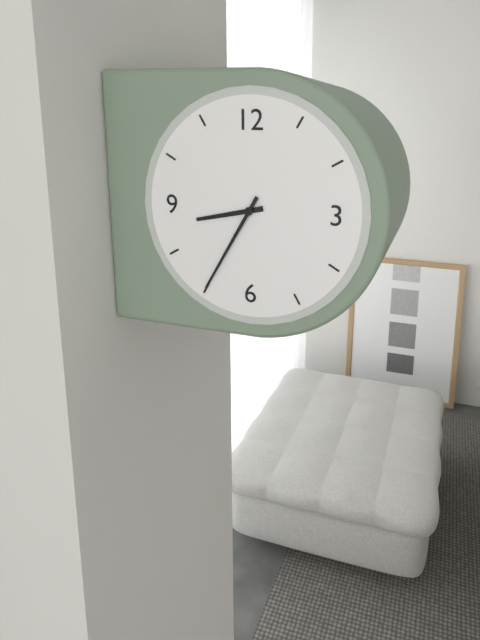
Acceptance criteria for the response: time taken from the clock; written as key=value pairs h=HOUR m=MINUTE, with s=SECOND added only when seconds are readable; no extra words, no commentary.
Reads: h=8 m=35
